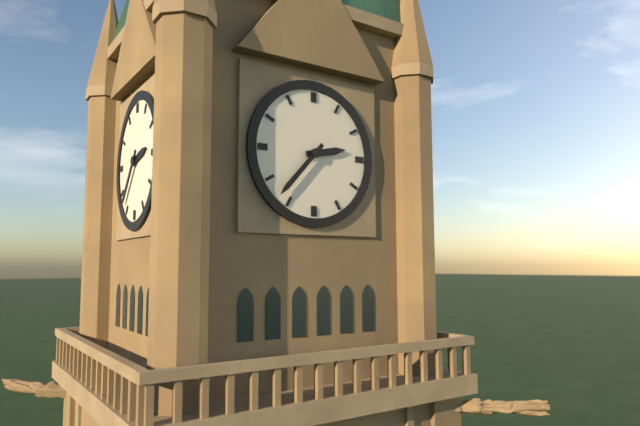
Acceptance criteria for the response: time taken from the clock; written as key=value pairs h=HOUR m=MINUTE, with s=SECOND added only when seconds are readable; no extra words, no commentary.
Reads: h=2 m=37
